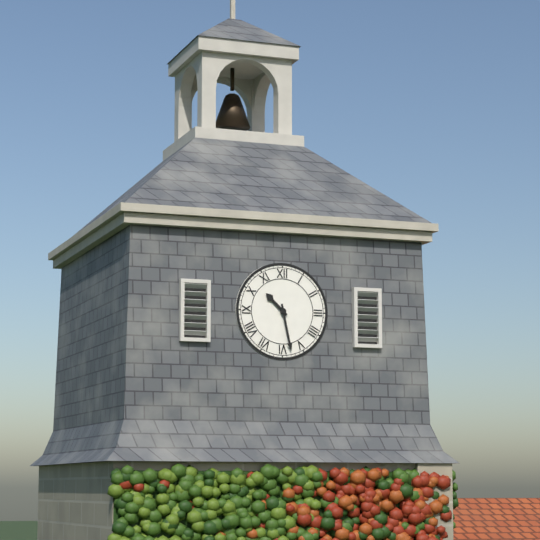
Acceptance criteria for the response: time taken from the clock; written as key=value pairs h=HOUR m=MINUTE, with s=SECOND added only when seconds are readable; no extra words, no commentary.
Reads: h=10 m=28
